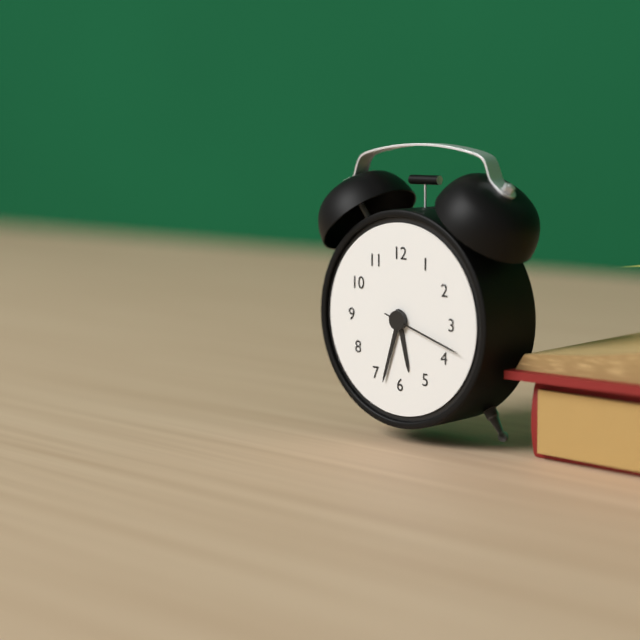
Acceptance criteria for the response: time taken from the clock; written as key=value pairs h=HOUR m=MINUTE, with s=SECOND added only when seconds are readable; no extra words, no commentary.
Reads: h=5 m=33 s=18
